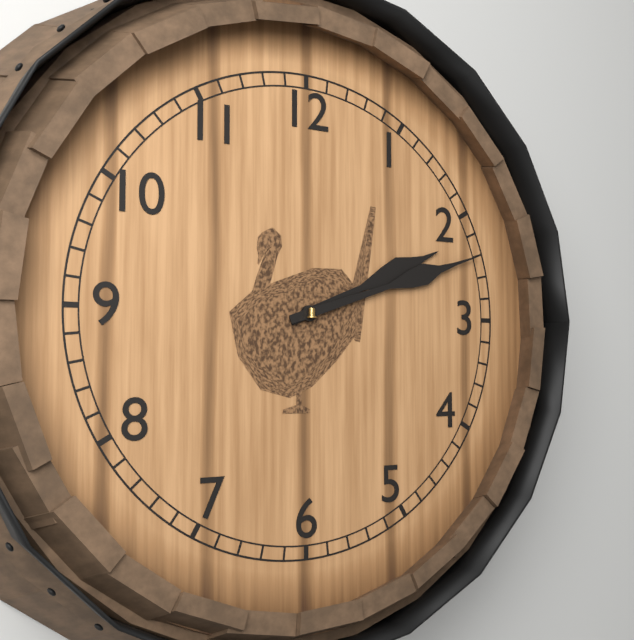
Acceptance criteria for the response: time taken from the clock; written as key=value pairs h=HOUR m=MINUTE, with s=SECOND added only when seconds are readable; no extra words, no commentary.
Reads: h=2 m=12
